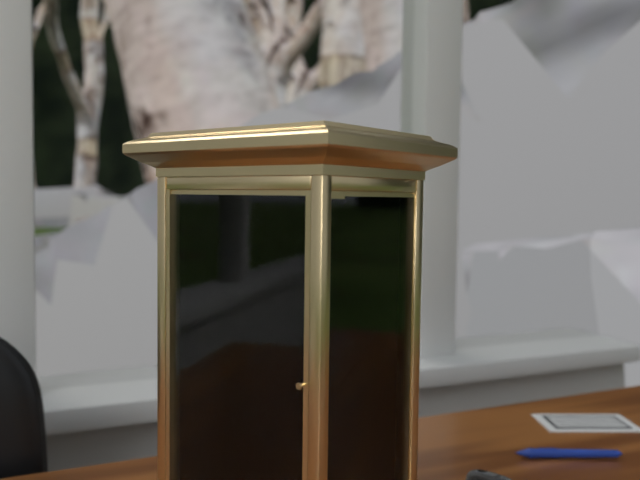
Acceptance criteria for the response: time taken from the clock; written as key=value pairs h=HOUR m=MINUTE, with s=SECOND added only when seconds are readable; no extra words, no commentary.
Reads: h=12 m=42
